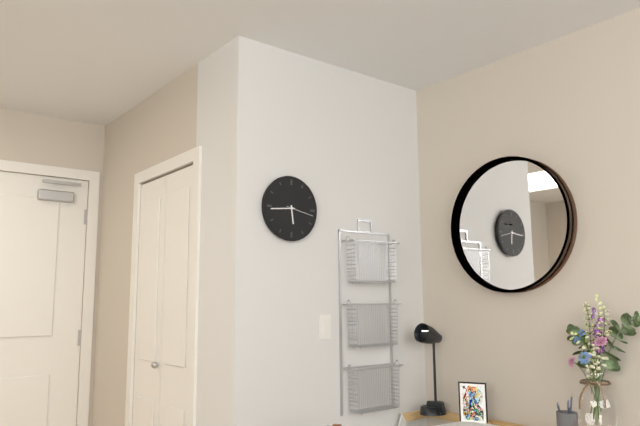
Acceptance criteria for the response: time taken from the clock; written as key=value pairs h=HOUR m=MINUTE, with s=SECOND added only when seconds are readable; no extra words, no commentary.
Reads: h=5 m=44
